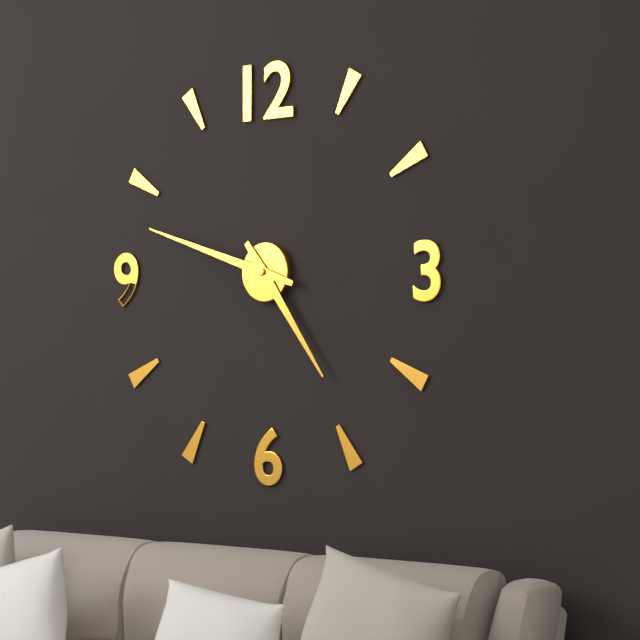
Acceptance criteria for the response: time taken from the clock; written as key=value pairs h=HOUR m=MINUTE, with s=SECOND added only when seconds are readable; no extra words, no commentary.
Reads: h=4 m=48
